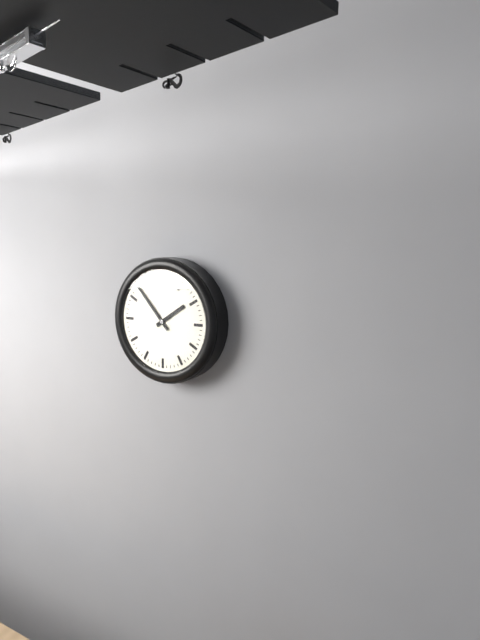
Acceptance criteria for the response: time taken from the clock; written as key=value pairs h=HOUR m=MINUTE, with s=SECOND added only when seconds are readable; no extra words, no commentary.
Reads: h=1 m=53
